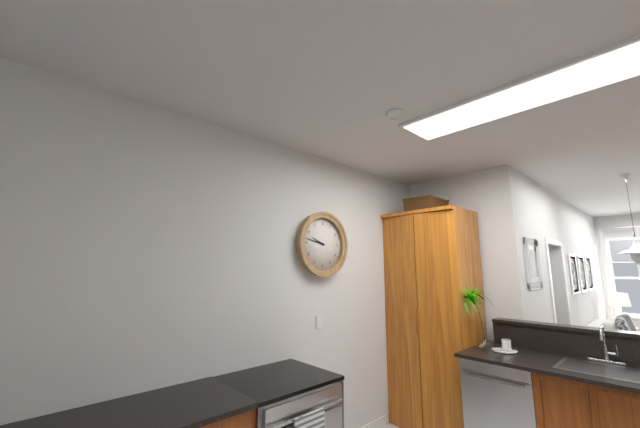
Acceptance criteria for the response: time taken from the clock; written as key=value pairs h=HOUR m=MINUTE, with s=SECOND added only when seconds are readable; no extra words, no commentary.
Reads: h=9 m=47
